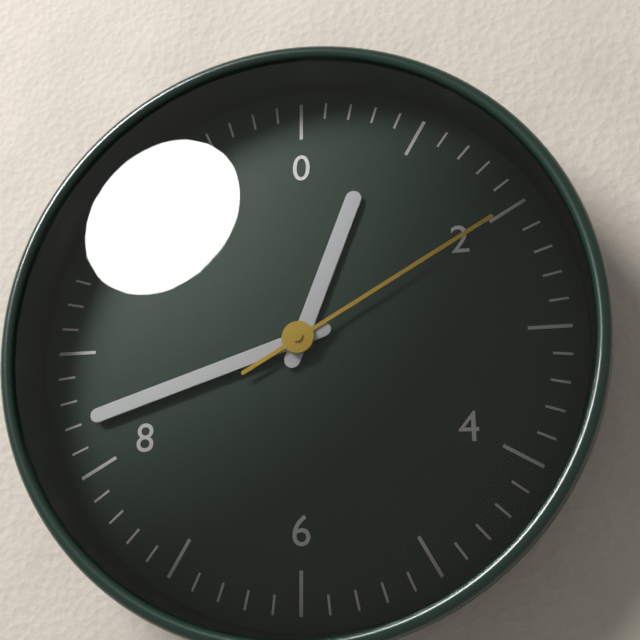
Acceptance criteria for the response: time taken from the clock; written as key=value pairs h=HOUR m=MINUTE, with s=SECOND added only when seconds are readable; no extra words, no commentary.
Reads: h=12 m=42 s=10
